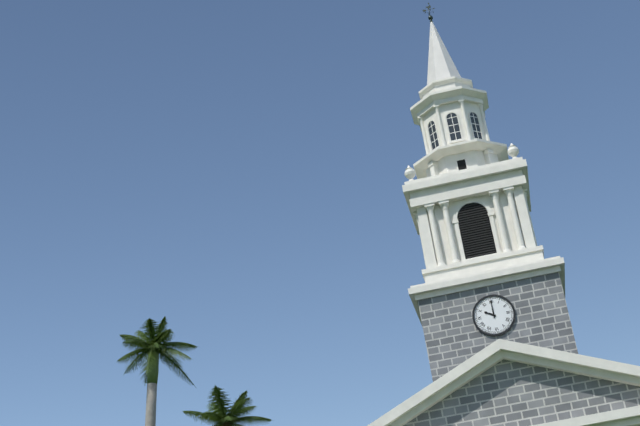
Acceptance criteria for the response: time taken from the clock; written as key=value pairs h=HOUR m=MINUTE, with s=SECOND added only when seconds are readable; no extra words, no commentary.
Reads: h=10 m=0
